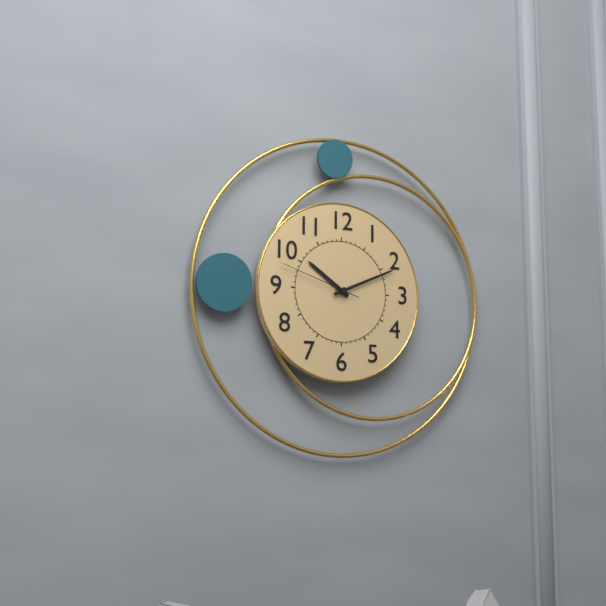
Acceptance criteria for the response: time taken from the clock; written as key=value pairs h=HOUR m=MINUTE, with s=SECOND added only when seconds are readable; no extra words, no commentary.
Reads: h=10 m=11 s=48
